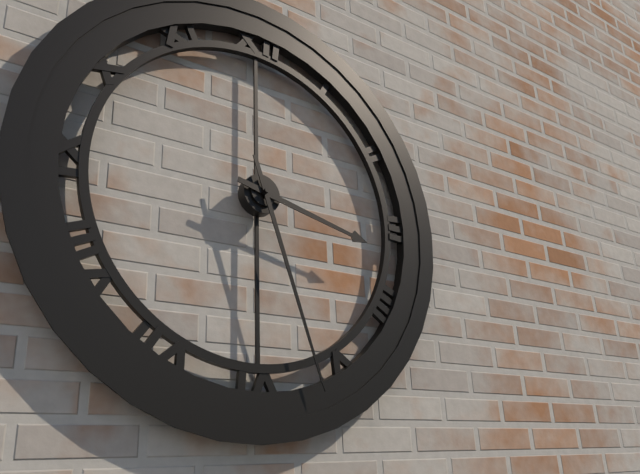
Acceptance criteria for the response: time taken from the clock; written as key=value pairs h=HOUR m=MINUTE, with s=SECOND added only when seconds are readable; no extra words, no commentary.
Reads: h=3 m=27
